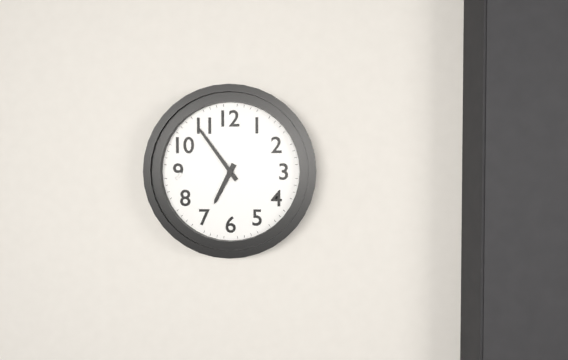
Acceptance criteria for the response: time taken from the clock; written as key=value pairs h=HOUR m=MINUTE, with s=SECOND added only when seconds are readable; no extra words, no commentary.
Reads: h=6 m=54
